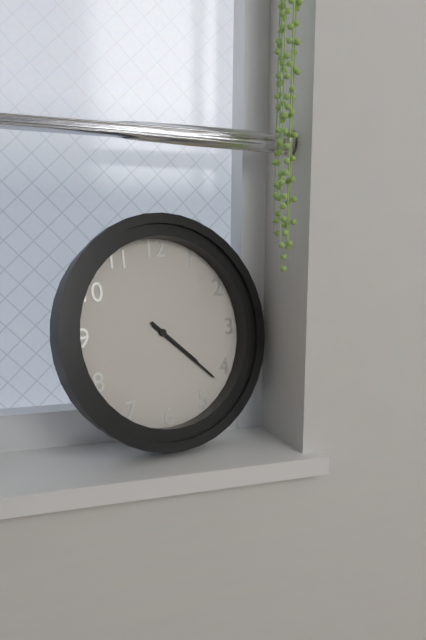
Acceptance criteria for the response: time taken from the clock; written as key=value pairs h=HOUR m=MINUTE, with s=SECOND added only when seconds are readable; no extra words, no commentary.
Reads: h=4 m=22
